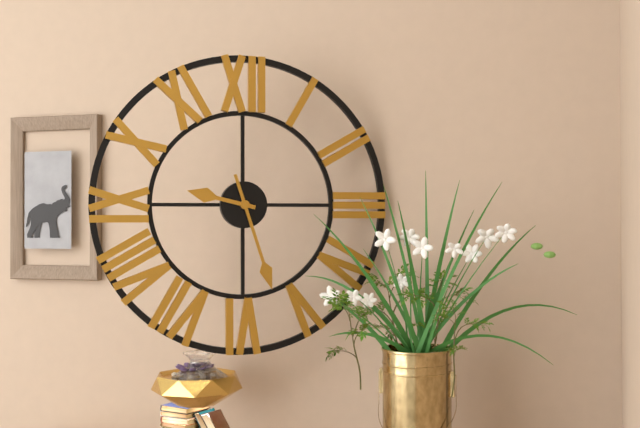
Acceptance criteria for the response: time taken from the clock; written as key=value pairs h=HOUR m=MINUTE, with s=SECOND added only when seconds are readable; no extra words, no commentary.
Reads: h=9 m=27
